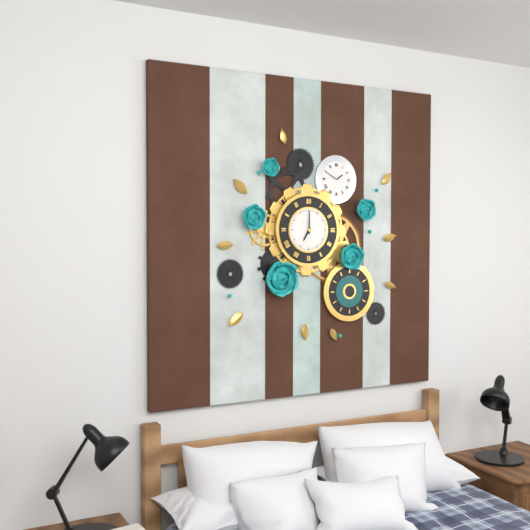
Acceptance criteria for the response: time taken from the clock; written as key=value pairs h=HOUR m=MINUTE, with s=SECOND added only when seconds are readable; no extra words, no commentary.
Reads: h=7 m=0
